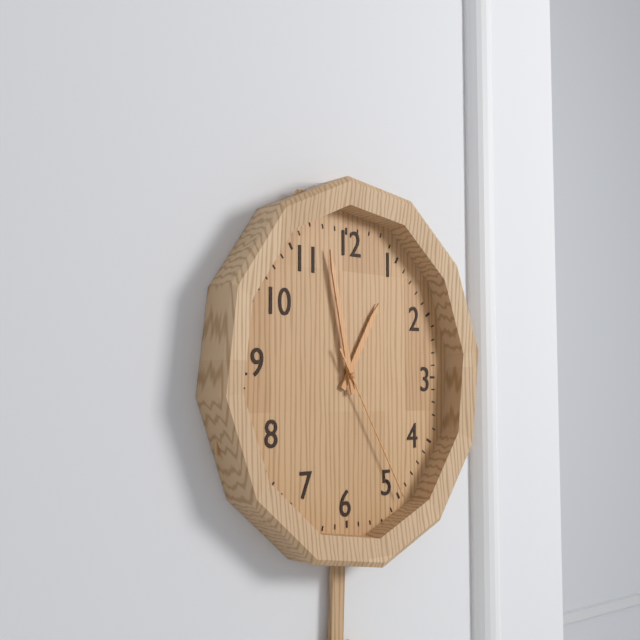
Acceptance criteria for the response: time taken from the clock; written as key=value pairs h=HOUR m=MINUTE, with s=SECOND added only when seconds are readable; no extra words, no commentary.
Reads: h=12 m=58 s=25
